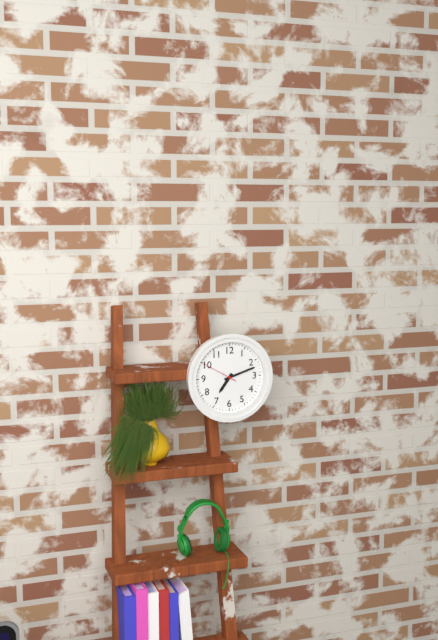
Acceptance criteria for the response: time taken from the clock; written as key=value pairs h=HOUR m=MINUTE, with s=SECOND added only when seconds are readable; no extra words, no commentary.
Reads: h=7 m=12
